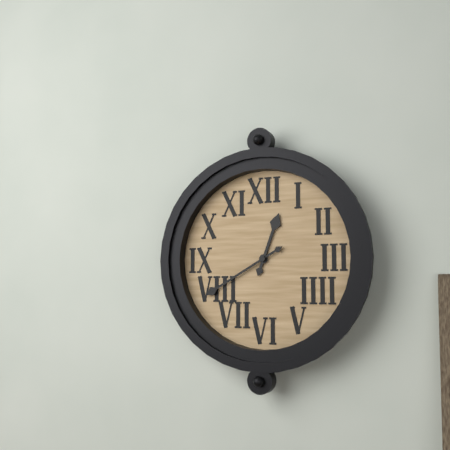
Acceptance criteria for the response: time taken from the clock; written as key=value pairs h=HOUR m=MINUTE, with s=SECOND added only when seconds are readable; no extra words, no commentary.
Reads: h=12 m=40
